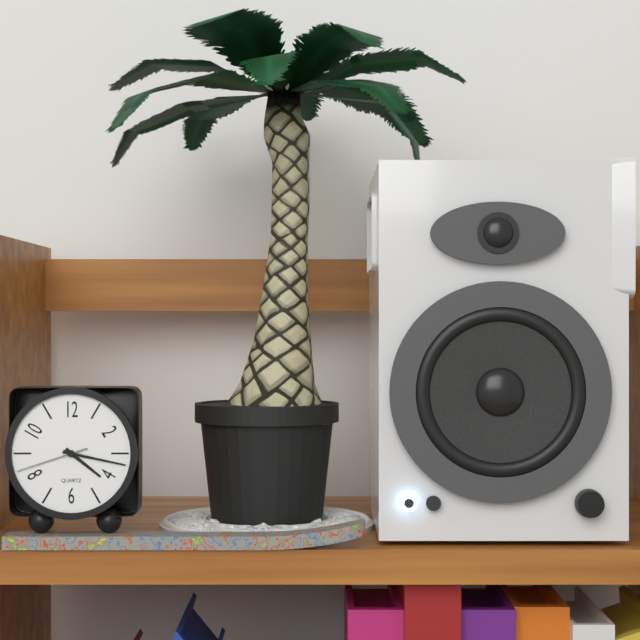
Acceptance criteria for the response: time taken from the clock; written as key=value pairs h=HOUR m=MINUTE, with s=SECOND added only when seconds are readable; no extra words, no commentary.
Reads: h=4 m=17 s=42
